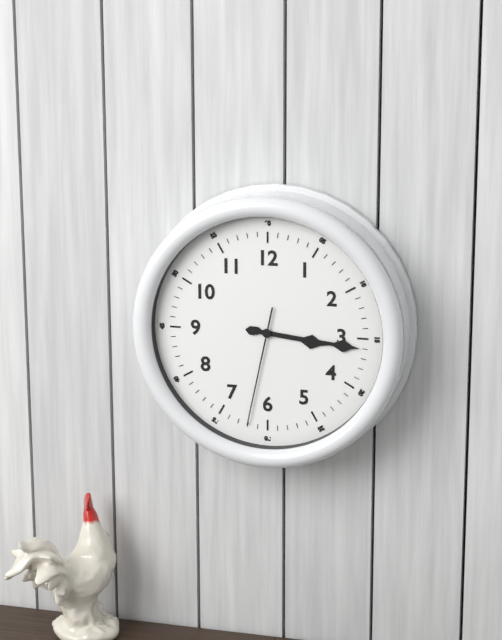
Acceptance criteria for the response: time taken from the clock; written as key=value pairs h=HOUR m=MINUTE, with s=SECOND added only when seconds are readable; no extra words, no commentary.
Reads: h=3 m=16 s=32
